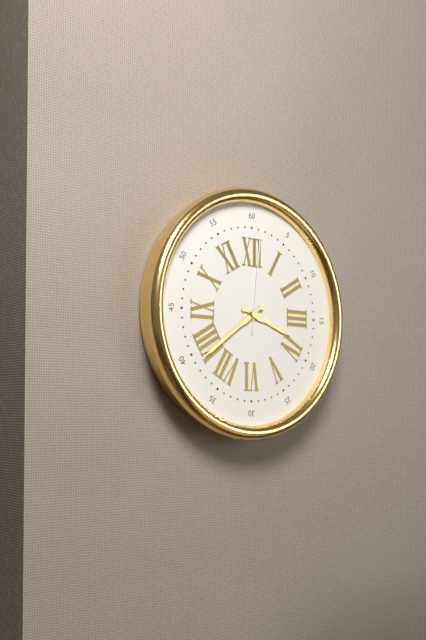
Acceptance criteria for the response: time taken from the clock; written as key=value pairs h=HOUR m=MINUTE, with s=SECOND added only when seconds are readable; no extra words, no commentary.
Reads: h=3 m=39 s=1
